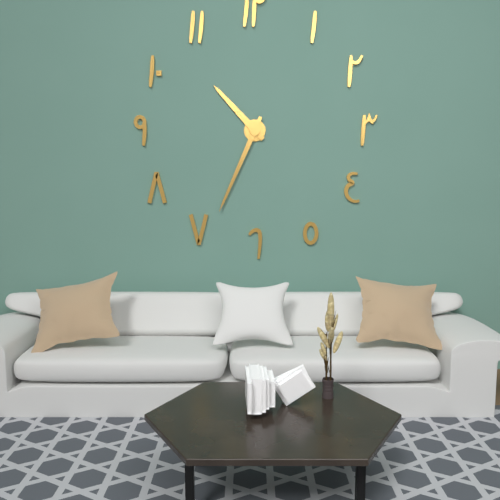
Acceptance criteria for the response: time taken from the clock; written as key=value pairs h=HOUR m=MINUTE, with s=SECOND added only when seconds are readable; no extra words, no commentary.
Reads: h=10 m=34
